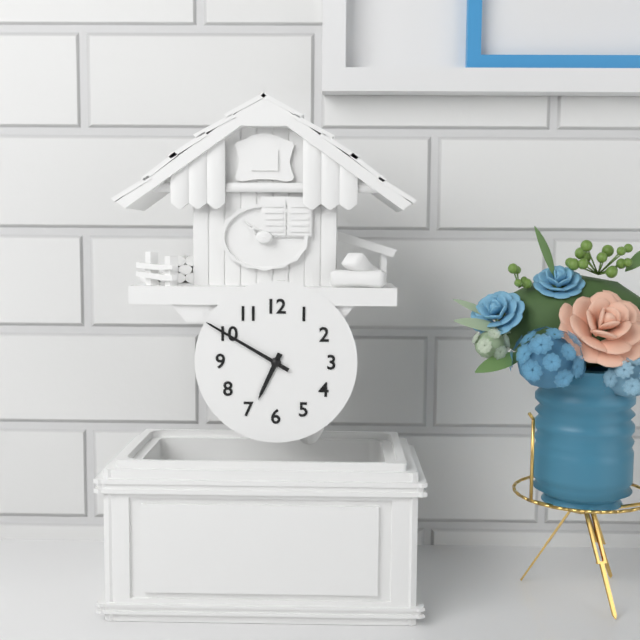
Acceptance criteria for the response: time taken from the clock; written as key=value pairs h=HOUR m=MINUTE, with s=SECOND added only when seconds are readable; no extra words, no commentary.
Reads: h=6 m=50
